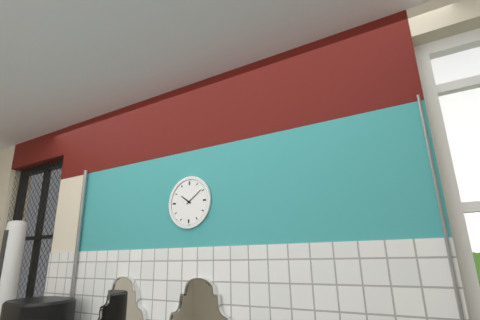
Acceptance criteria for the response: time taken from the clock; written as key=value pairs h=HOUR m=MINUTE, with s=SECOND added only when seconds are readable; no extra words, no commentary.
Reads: h=10 m=9
